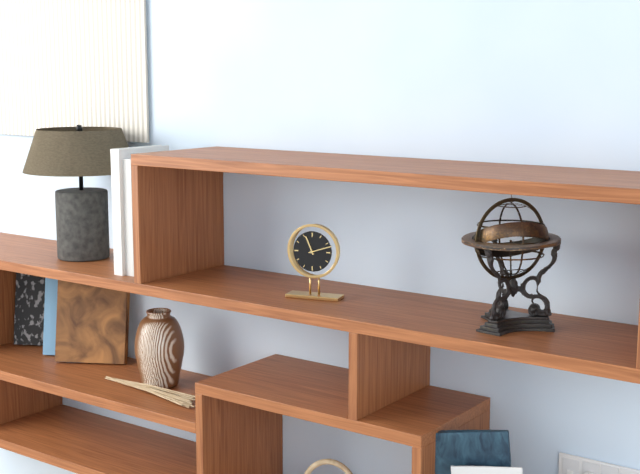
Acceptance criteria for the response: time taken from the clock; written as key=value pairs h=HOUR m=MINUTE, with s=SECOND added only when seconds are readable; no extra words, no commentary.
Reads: h=11 m=12
